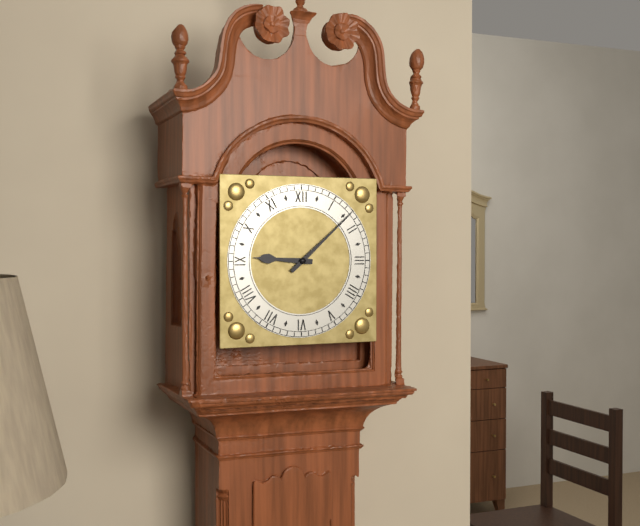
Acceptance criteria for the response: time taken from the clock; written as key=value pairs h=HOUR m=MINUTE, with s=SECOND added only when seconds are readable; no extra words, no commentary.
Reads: h=9 m=8
